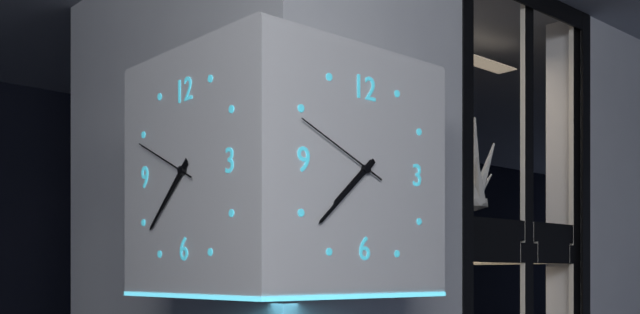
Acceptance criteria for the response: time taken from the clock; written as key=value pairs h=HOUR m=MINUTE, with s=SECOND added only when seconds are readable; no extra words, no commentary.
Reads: h=7 m=38 s=49
